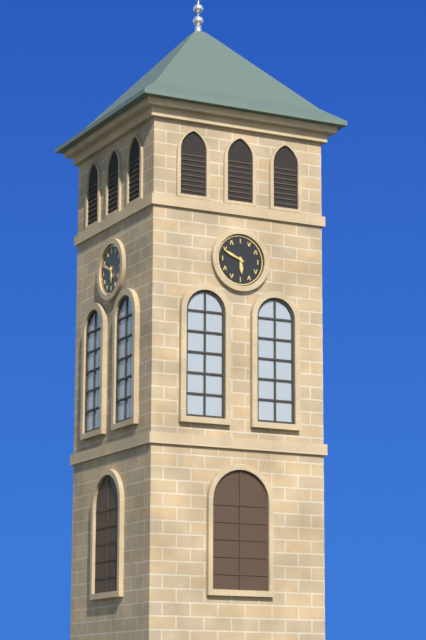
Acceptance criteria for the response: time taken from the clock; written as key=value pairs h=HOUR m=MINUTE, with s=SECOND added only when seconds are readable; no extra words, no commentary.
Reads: h=5 m=49
